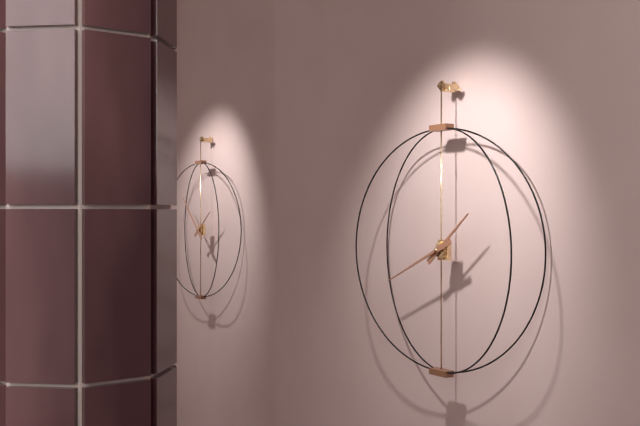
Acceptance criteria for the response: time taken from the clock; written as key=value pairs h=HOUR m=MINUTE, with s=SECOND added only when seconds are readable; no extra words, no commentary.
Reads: h=1 m=41
